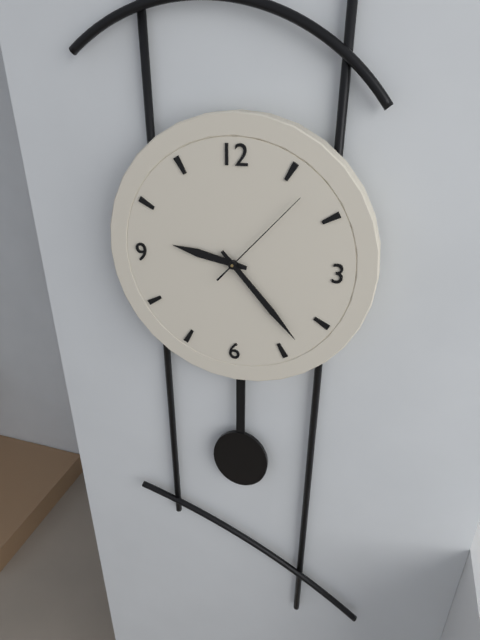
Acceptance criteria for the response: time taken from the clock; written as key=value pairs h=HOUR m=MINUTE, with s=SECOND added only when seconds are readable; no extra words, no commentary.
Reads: h=9 m=23 s=7
